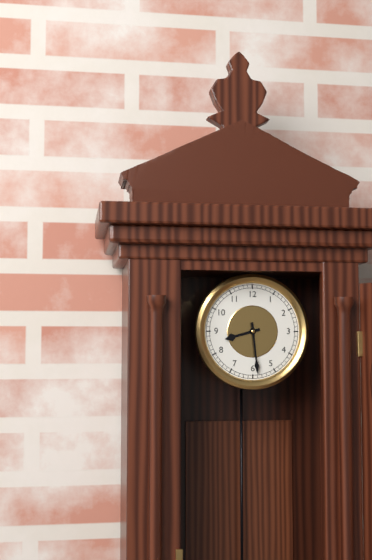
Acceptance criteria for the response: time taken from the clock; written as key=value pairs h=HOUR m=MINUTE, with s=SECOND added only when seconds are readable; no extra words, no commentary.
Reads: h=8 m=29
